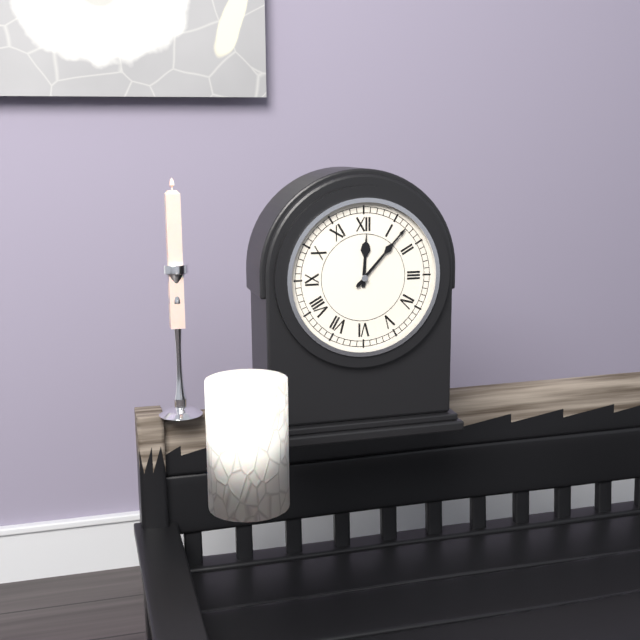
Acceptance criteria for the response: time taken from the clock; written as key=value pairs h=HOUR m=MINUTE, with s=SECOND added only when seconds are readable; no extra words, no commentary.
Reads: h=12 m=7
